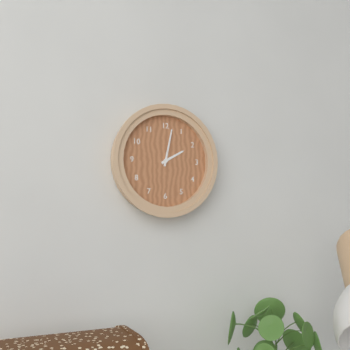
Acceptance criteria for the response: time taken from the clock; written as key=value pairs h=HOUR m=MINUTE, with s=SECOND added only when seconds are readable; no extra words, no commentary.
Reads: h=2 m=2
